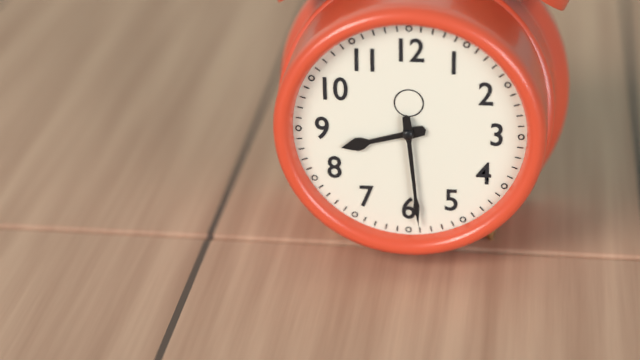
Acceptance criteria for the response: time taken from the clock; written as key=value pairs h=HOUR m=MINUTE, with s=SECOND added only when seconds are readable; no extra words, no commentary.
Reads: h=8 m=29
